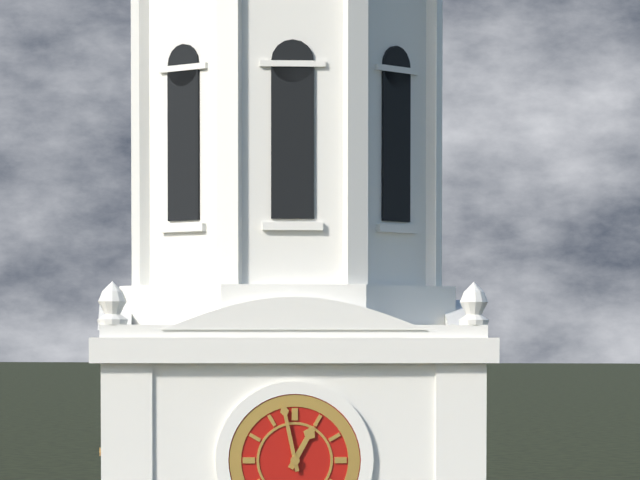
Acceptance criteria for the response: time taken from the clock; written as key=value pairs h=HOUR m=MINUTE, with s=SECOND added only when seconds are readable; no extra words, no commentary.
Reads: h=12 m=58
